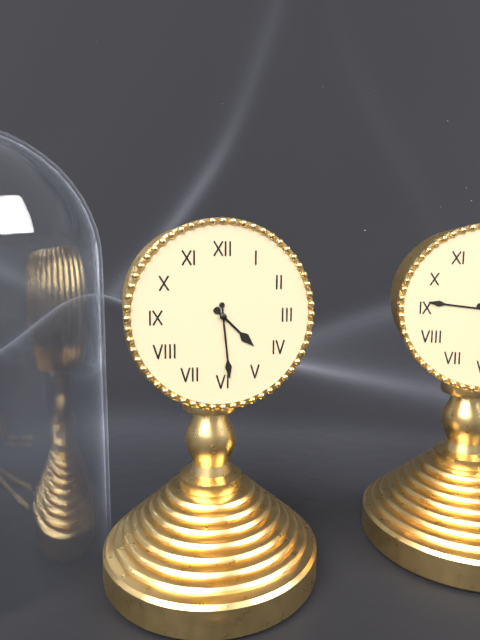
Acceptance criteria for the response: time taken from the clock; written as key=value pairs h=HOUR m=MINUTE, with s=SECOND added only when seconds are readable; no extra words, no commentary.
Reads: h=4 m=29
